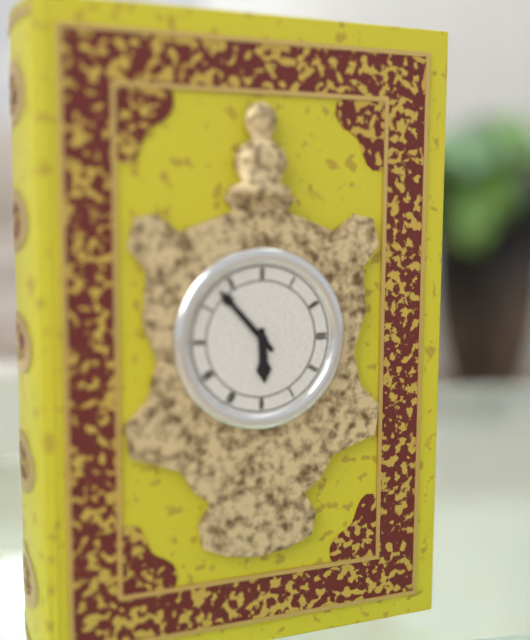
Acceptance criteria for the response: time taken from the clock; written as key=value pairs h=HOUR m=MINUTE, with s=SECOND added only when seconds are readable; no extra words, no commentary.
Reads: h=5 m=53
